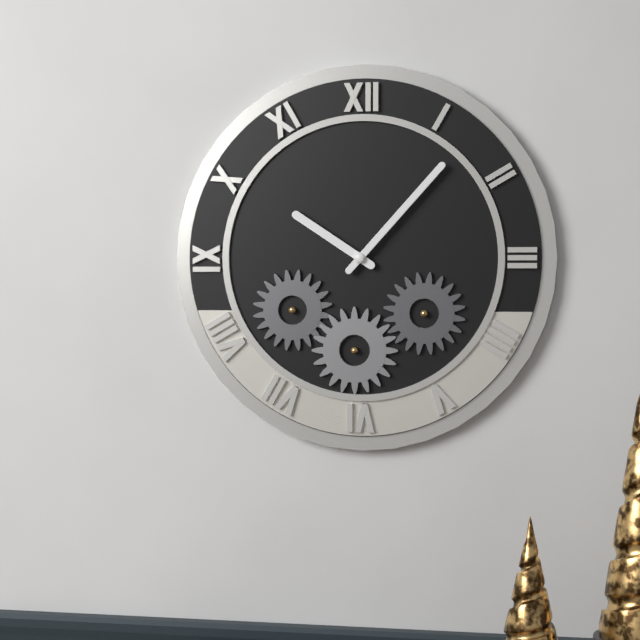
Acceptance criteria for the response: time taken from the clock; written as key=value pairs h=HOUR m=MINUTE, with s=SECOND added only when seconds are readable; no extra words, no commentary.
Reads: h=10 m=7
